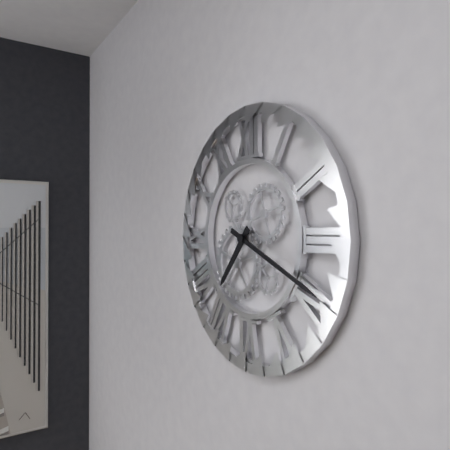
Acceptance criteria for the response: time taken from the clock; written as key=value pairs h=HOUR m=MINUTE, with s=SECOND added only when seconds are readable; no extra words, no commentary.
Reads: h=7 m=19
